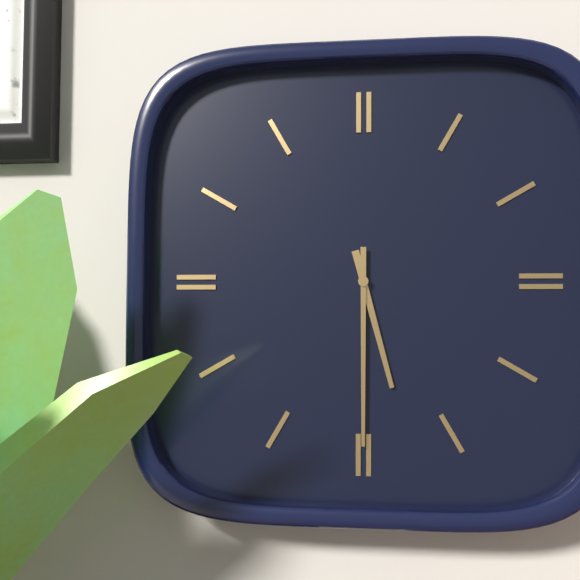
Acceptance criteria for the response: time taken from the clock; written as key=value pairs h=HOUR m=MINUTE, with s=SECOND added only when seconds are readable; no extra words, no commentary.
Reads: h=5 m=30
